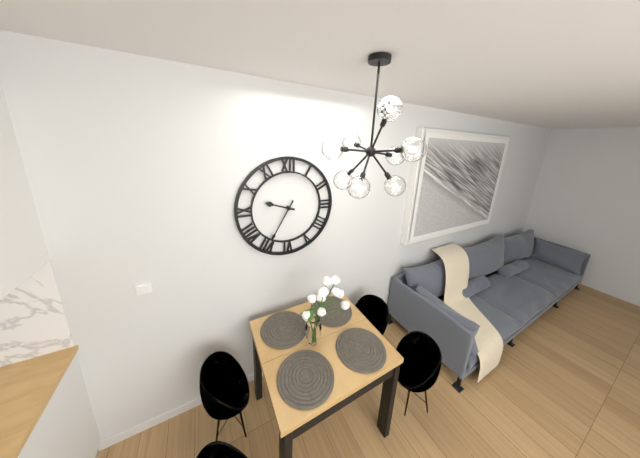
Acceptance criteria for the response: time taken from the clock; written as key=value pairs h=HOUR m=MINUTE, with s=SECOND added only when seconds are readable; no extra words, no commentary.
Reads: h=9 m=35
